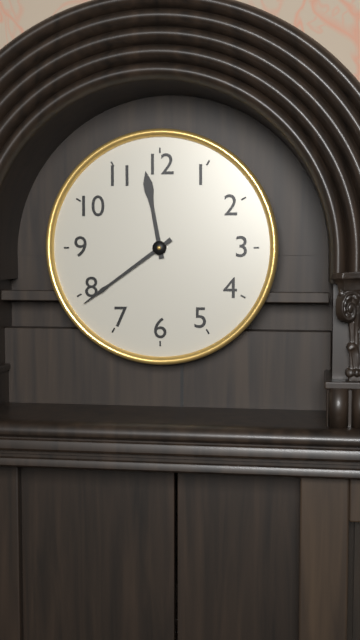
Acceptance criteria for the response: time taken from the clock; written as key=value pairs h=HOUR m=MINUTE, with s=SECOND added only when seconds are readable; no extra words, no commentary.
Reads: h=11 m=39
